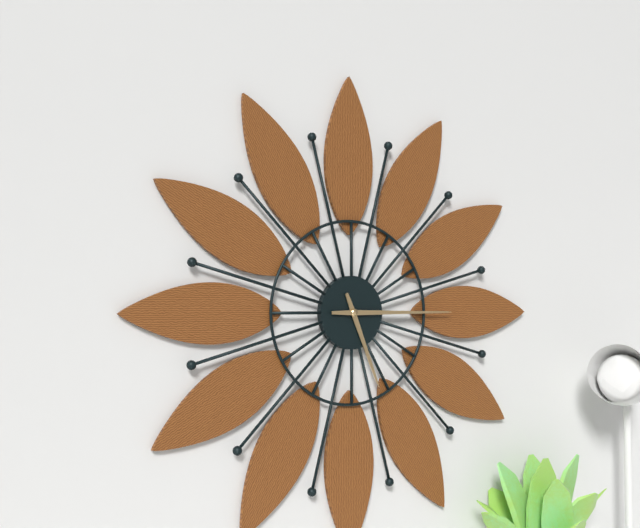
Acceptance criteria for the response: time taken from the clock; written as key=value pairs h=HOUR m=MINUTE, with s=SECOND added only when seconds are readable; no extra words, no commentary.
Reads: h=5 m=15
